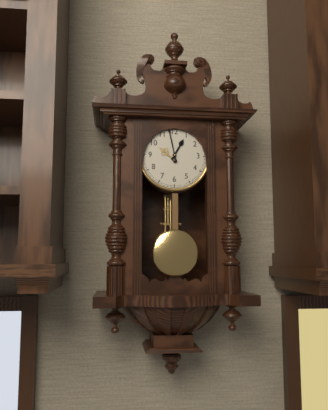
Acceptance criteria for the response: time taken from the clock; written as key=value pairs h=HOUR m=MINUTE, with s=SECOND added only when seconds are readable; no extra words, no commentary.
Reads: h=12 m=58
